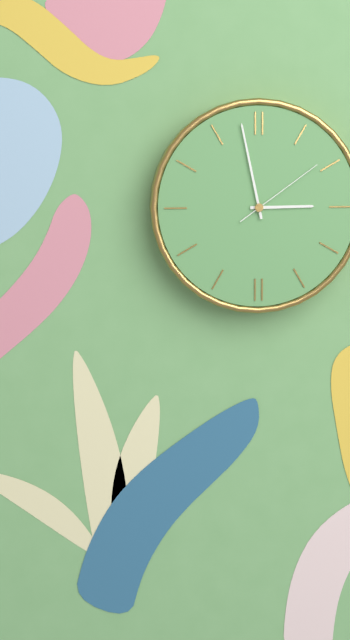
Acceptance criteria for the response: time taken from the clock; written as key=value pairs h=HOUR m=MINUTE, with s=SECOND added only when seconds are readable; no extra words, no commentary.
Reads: h=2 m=58 s=9
